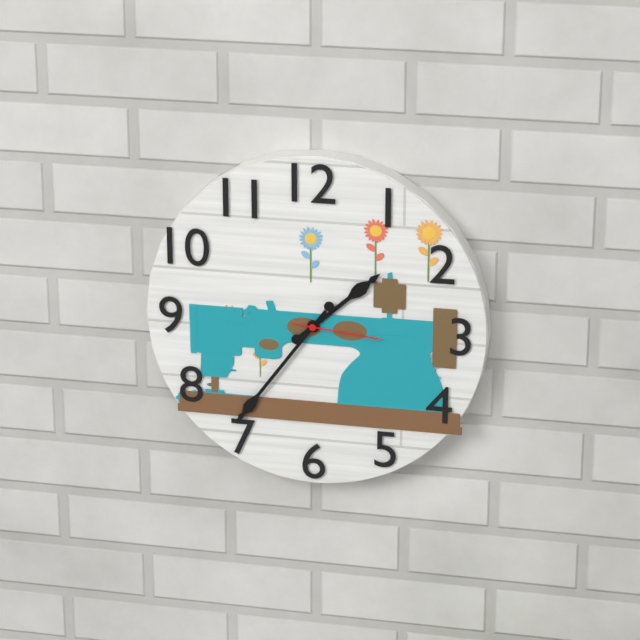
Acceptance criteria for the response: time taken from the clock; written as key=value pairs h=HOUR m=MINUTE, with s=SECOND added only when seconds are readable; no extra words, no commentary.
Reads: h=1 m=36 s=16
